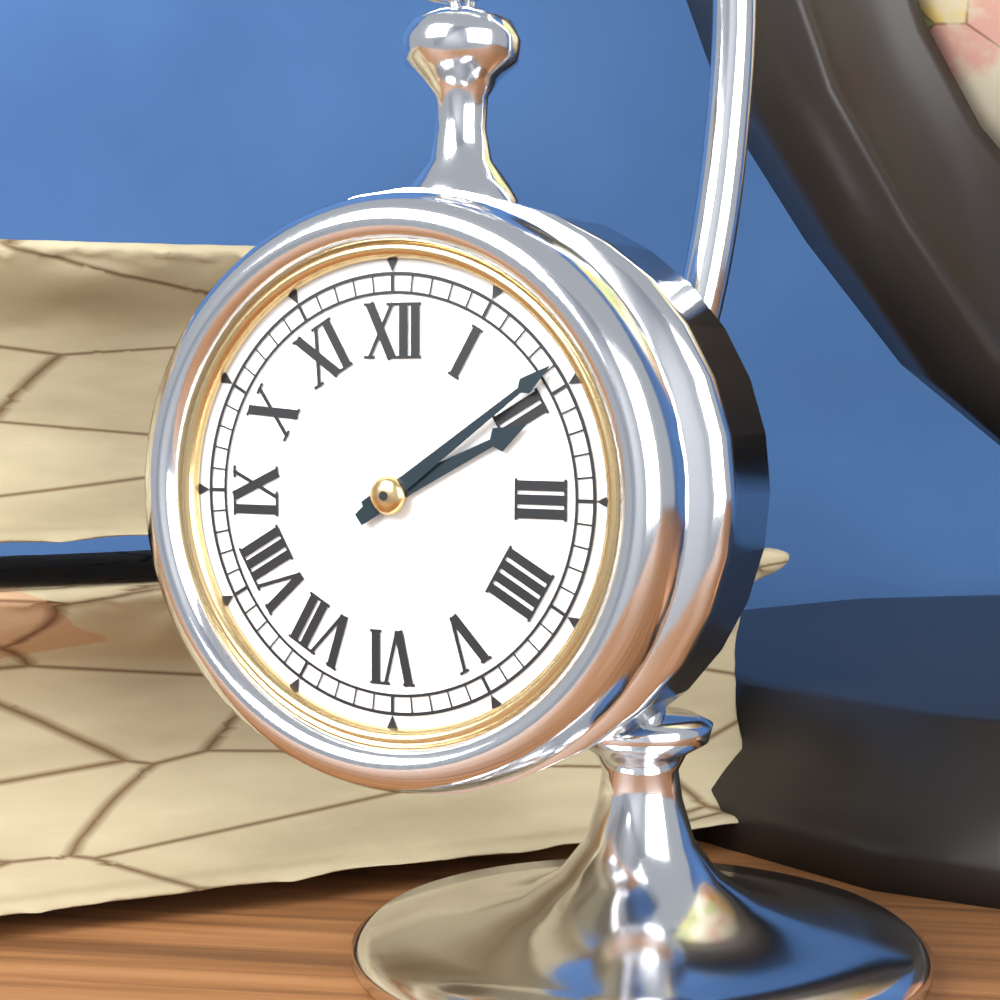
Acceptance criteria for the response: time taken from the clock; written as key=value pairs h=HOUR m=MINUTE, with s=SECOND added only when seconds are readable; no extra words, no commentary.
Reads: h=2 m=9
